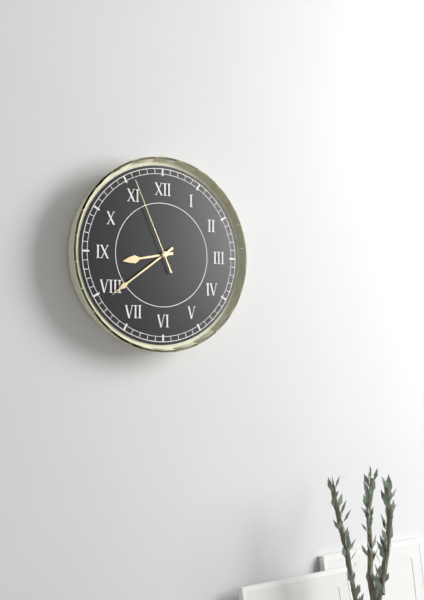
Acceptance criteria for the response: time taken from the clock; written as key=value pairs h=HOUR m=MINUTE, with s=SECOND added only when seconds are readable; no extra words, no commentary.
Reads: h=8 m=39 s=56
